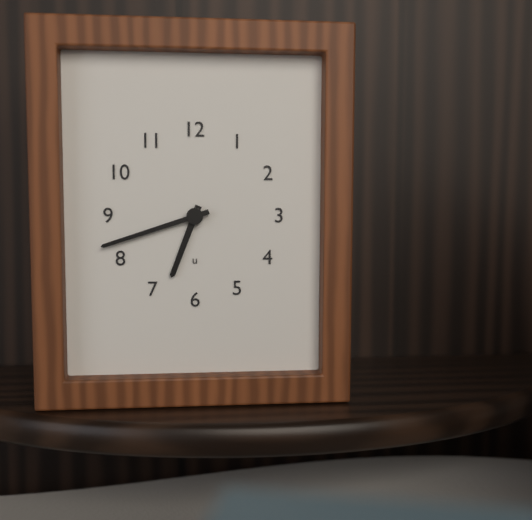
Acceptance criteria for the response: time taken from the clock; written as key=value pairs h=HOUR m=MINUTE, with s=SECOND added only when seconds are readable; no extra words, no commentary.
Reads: h=6 m=42
